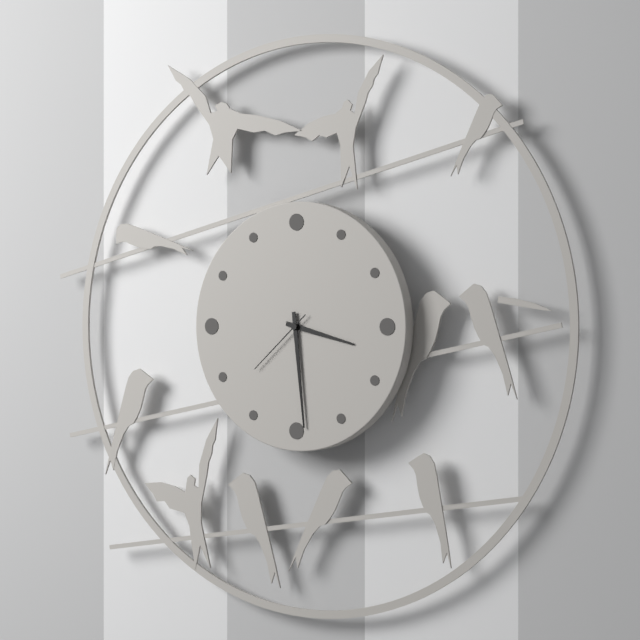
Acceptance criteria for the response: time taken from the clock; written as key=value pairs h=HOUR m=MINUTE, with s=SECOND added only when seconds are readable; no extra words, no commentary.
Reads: h=3 m=29 s=38
